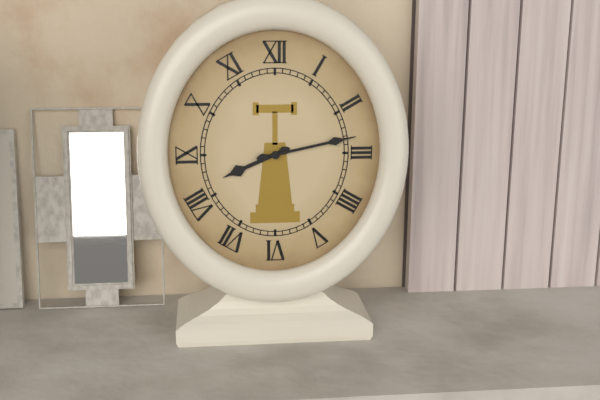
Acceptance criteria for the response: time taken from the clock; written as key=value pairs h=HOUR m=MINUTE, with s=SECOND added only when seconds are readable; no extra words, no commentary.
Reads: h=8 m=13
